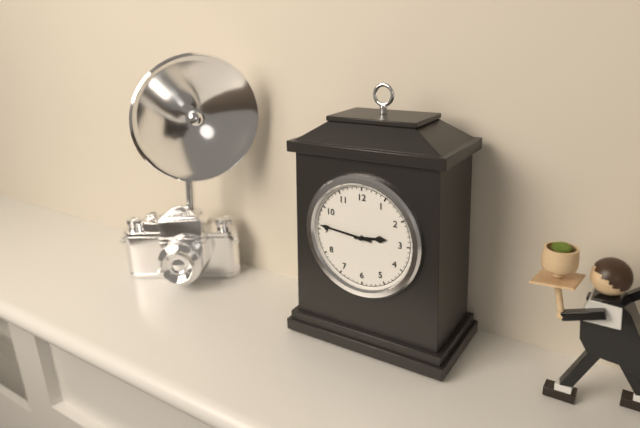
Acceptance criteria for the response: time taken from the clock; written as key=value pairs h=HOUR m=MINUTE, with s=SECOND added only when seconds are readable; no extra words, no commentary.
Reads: h=2 m=46
